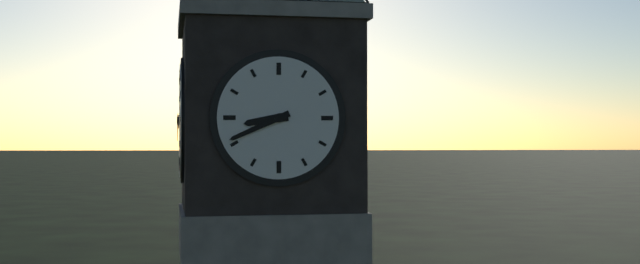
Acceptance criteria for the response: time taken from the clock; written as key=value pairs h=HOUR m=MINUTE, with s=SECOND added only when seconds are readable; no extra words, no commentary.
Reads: h=8 m=41
